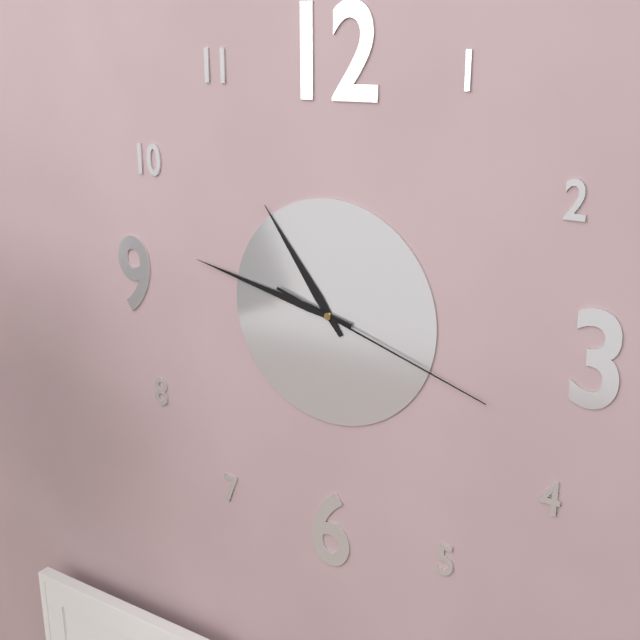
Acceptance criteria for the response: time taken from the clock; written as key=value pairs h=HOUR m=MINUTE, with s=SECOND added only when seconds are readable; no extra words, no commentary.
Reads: h=10 m=47 s=18
